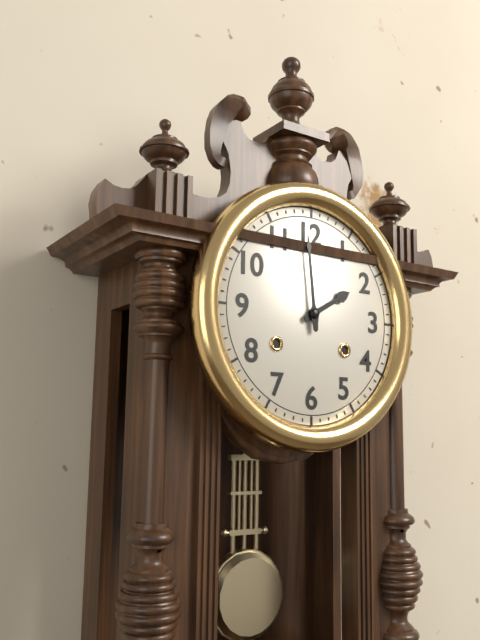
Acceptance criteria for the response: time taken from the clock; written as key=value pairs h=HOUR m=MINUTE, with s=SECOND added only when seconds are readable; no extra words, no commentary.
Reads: h=1 m=59
